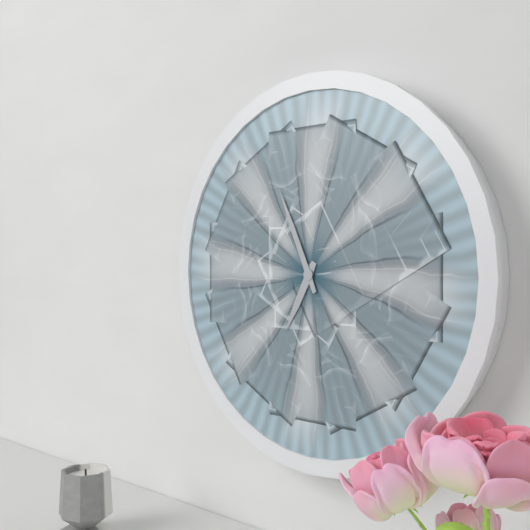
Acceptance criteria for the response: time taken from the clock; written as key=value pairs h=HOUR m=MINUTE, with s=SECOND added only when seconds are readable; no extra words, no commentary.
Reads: h=6 m=56
